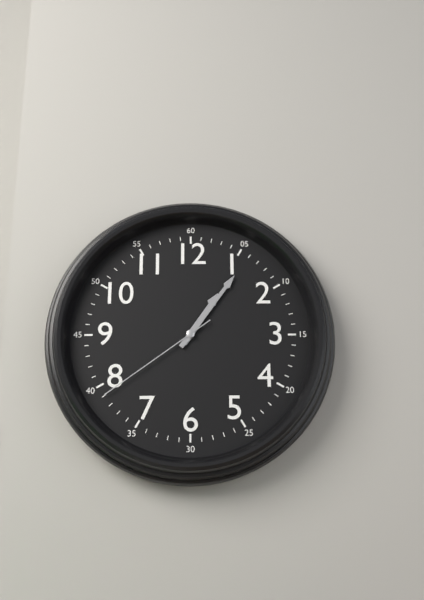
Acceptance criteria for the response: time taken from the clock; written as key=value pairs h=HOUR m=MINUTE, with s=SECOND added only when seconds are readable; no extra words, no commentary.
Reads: h=1 m=6 s=39
